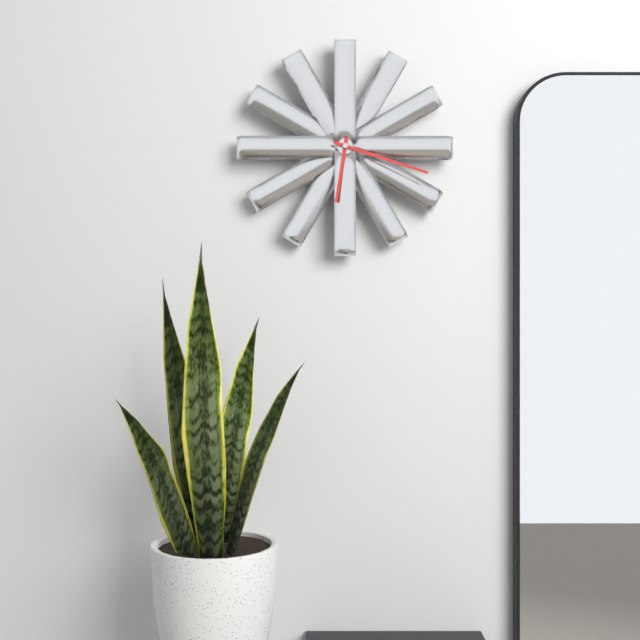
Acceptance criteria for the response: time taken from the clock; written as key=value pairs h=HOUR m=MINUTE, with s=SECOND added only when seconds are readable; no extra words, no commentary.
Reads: h=6 m=18
